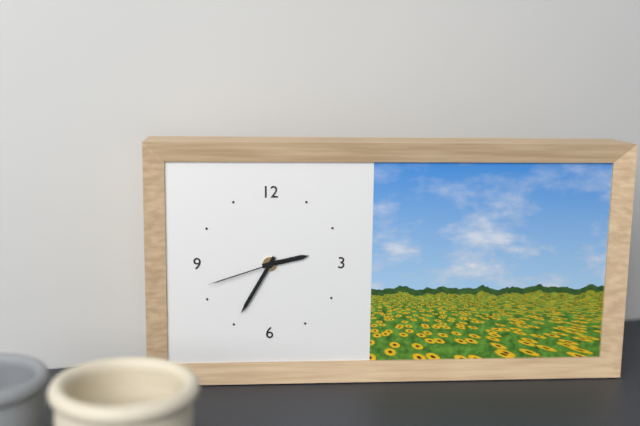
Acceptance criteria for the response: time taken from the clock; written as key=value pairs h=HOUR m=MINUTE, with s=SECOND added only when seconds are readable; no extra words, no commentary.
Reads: h=2 m=35 s=42
